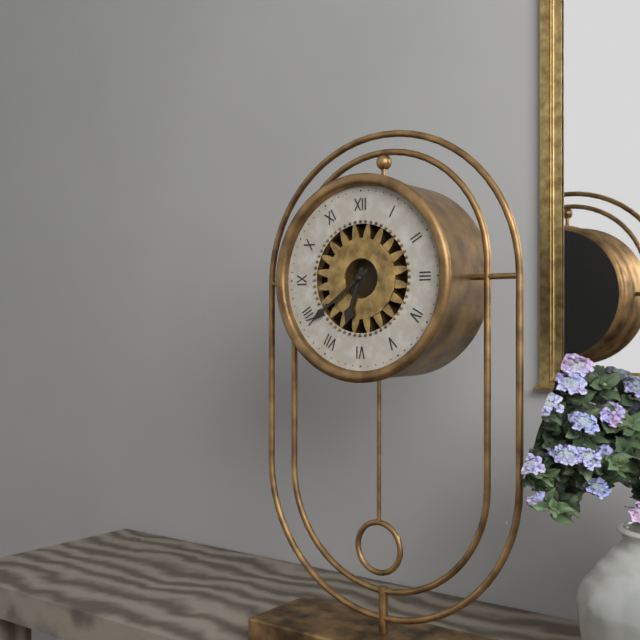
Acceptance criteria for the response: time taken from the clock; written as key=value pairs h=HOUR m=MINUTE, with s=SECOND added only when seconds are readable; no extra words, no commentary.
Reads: h=6 m=39
